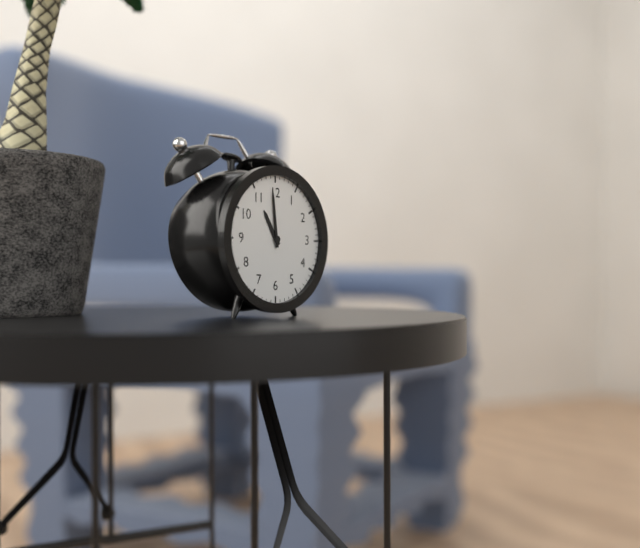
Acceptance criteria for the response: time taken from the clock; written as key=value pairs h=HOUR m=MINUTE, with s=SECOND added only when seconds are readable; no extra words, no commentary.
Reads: h=10 m=59
